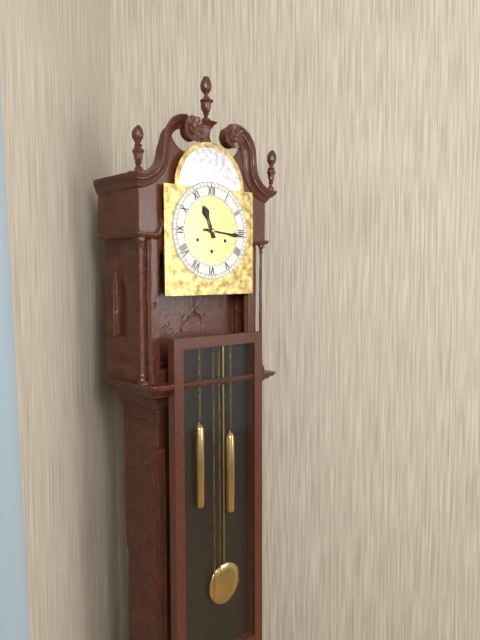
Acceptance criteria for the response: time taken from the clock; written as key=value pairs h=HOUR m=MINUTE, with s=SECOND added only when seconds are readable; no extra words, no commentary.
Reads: h=11 m=16
